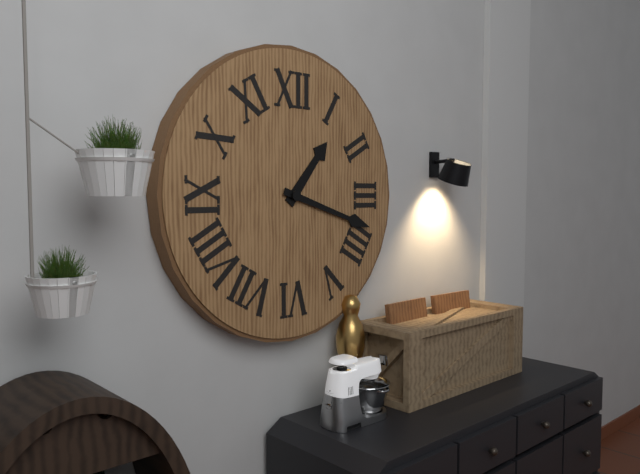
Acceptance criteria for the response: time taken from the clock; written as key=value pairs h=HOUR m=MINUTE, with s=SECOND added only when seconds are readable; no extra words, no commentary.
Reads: h=1 m=18
